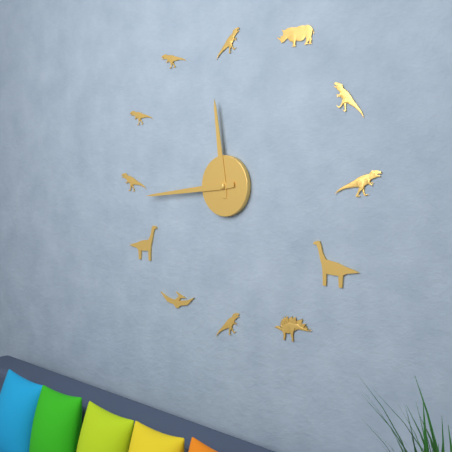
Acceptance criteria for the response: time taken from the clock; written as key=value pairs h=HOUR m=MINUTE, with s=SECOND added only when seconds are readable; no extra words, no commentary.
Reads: h=11 m=44
